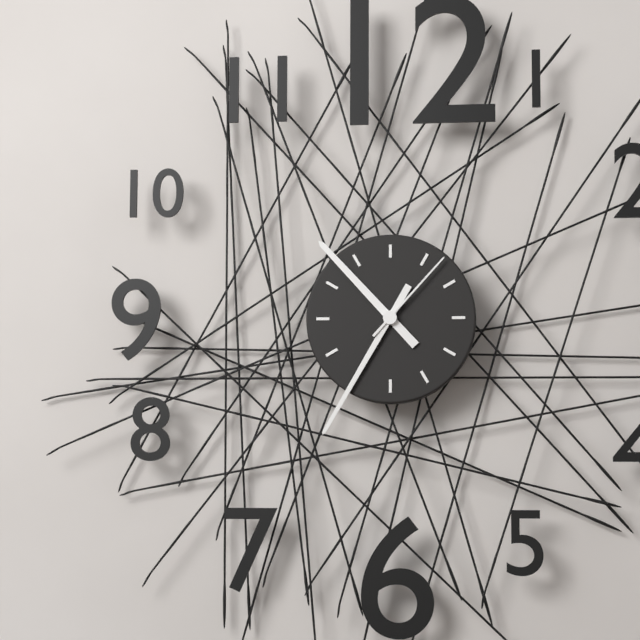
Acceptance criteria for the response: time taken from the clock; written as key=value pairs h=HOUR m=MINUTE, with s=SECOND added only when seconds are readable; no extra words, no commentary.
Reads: h=10 m=35 s=7
